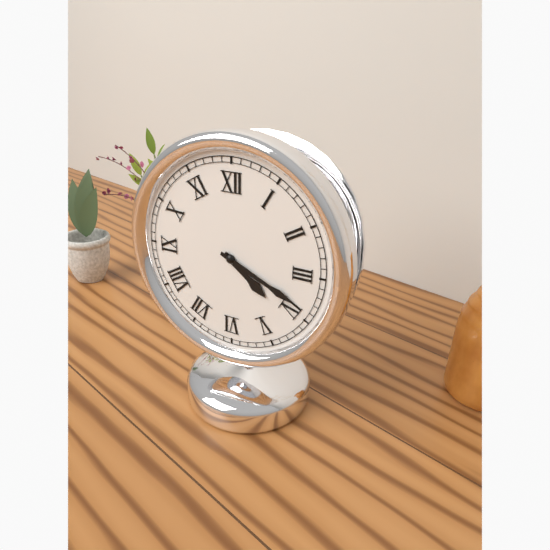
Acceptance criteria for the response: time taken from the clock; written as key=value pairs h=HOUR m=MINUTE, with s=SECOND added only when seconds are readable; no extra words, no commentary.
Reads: h=4 m=19
